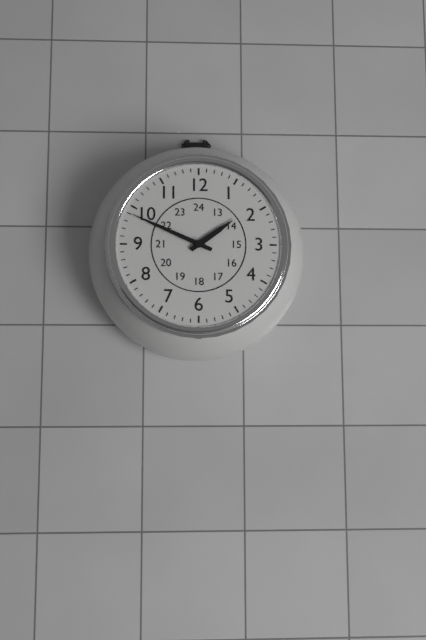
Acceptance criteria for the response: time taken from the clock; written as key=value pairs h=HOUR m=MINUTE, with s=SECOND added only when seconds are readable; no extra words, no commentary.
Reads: h=1 m=49
